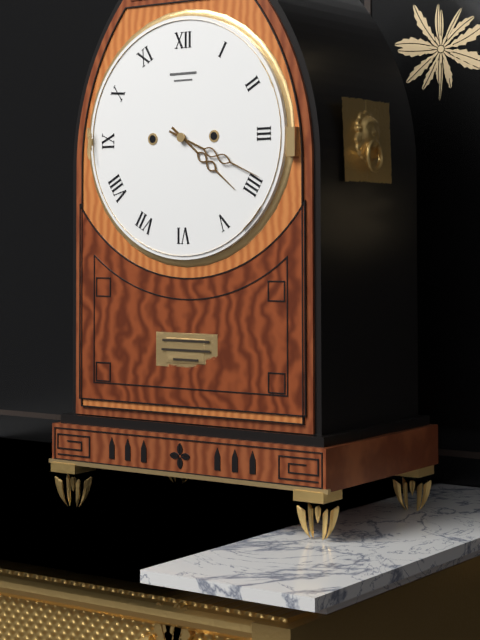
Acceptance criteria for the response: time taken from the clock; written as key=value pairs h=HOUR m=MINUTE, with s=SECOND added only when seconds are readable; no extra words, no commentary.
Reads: h=4 m=19
